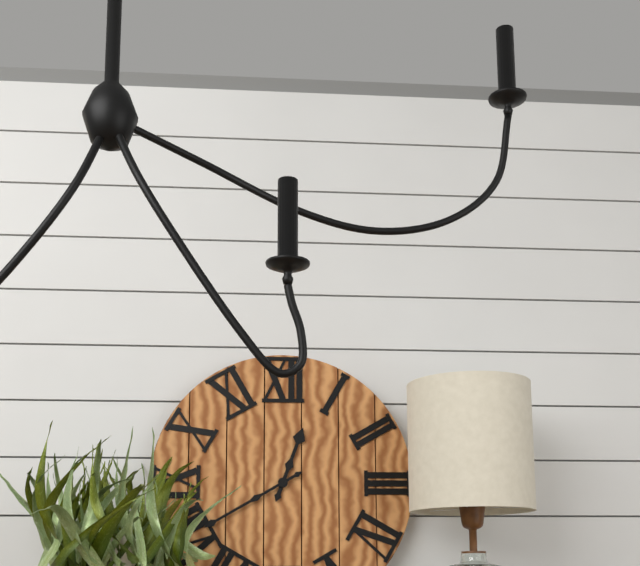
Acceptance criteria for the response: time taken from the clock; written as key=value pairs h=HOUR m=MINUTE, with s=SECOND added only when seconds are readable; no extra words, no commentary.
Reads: h=12 m=40
